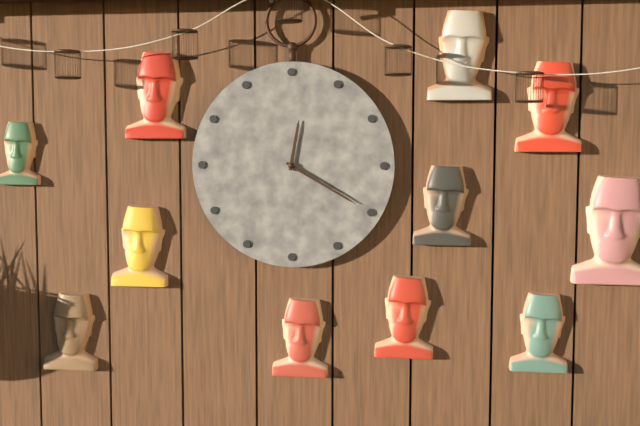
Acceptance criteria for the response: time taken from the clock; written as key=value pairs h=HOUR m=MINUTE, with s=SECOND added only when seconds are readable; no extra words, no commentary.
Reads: h=12 m=20
